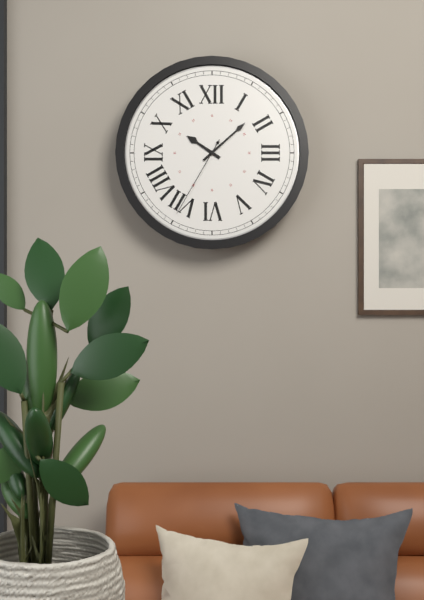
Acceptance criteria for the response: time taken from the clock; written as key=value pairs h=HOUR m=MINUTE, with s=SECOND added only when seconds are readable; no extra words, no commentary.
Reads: h=10 m=8 s=35
